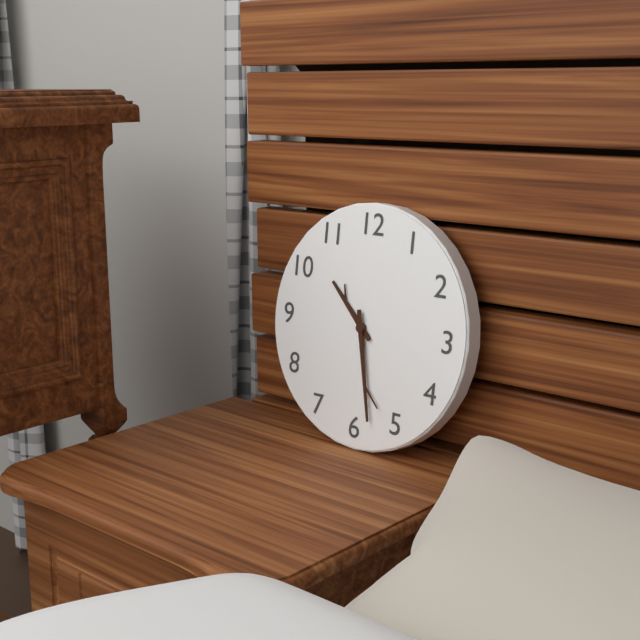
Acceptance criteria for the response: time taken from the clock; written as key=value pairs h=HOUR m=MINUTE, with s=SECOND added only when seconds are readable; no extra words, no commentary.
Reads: h=10 m=28
